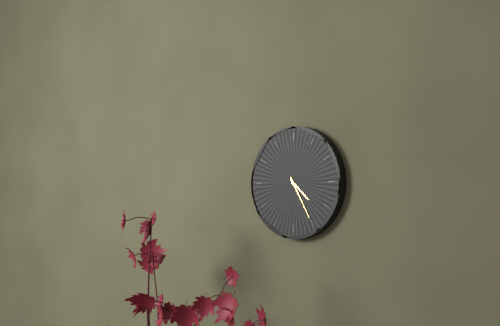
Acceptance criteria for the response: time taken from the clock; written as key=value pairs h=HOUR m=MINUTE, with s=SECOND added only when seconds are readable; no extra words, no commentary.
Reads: h=4 m=25
